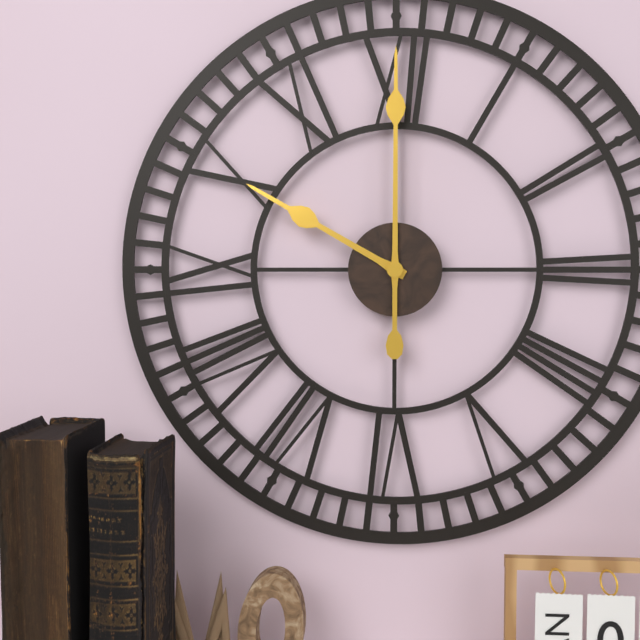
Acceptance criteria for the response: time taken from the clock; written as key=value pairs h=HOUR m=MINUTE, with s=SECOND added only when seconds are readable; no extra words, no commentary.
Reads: h=10 m=0
